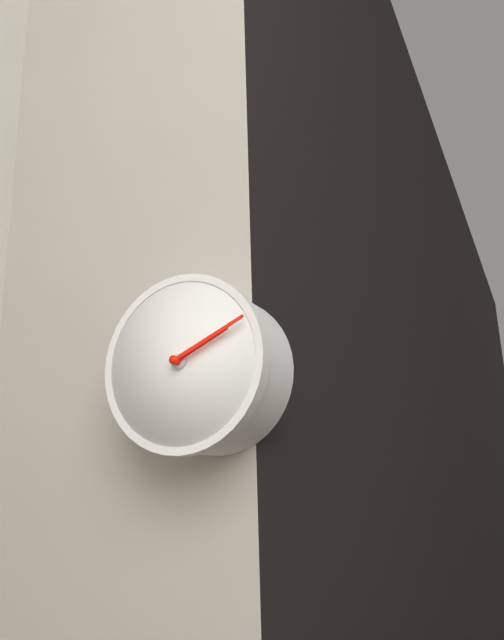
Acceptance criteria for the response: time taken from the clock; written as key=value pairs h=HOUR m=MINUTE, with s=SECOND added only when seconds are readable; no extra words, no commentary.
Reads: h=2 m=11
